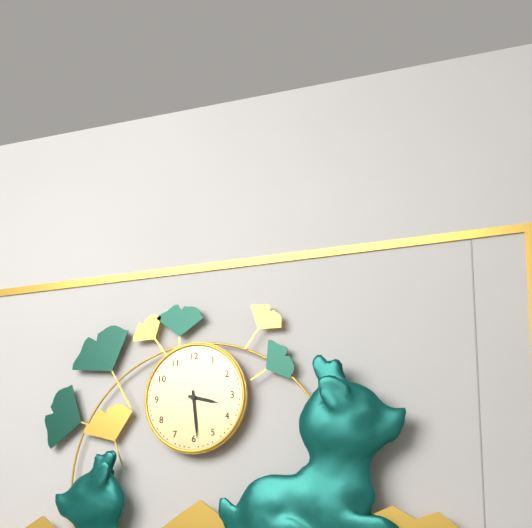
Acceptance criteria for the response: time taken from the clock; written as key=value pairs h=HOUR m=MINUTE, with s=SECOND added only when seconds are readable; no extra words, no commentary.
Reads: h=3 m=29
